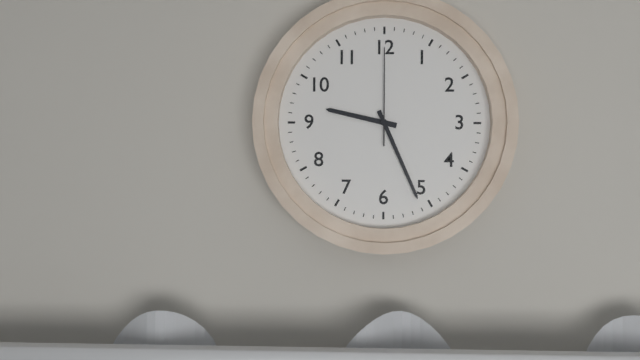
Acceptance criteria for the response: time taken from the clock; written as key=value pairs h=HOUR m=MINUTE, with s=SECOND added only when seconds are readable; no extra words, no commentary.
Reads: h=9 m=26 s=0
